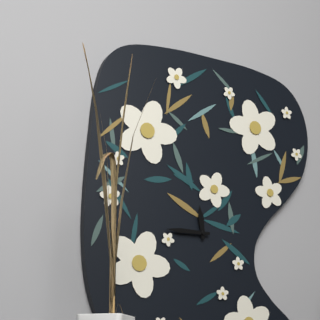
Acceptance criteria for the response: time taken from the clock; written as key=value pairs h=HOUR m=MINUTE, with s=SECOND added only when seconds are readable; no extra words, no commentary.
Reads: h=11 m=45
